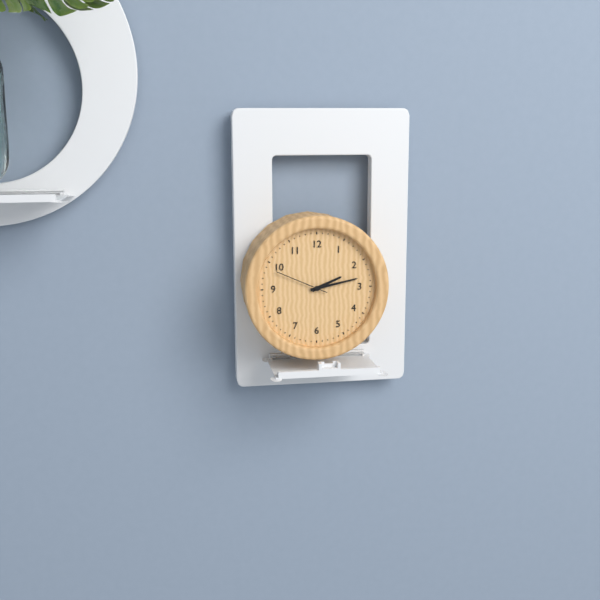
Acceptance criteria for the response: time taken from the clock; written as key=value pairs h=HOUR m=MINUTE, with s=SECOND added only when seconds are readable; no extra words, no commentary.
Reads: h=2 m=13 s=49
